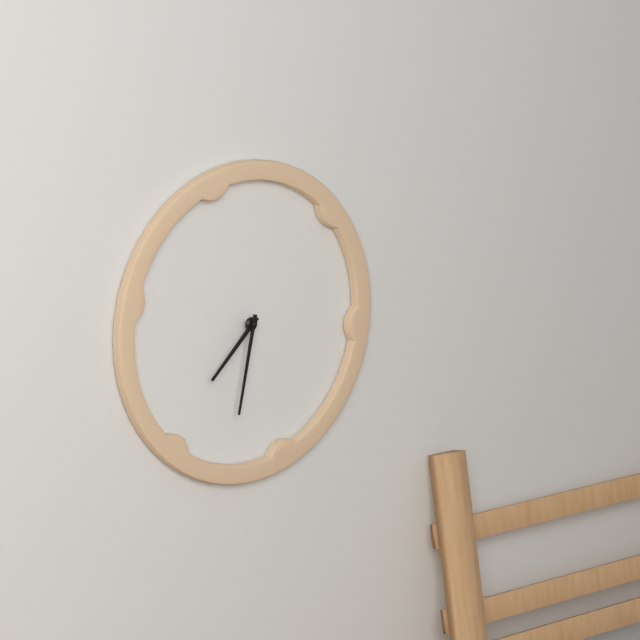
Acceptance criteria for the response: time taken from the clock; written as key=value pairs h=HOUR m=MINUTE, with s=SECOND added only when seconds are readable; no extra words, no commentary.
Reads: h=7 m=32
